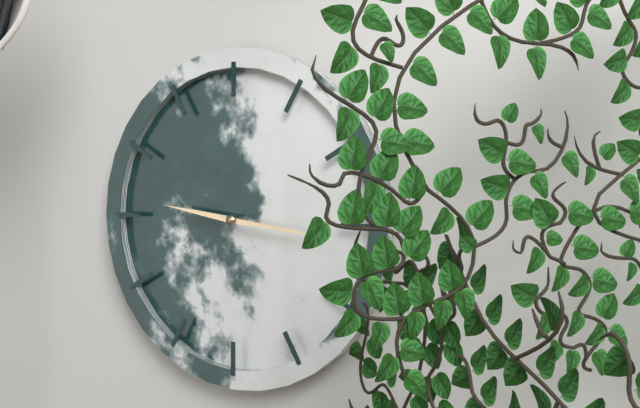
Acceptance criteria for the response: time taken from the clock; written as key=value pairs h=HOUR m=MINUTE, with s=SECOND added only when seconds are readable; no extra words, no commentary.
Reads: h=9 m=16
